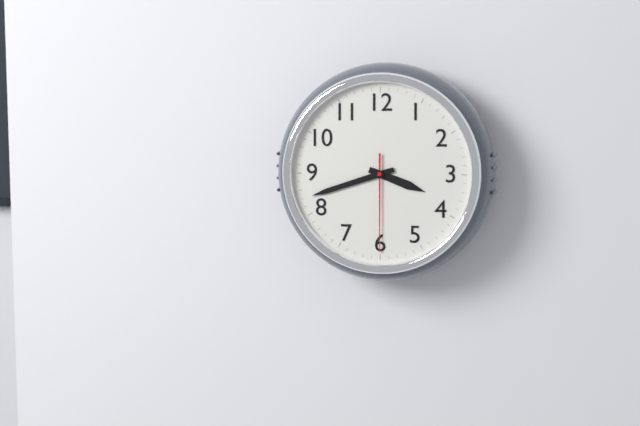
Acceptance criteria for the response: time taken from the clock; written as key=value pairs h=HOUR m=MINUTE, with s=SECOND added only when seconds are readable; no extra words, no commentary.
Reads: h=3 m=42 s=30
